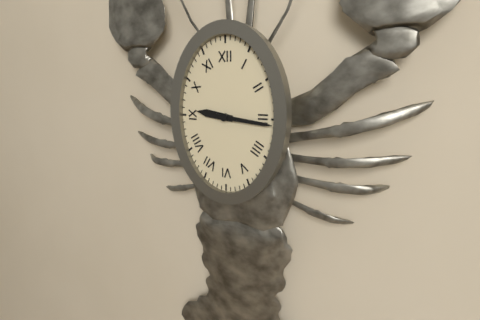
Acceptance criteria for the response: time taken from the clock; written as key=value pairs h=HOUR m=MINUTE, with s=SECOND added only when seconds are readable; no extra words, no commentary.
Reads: h=9 m=16
